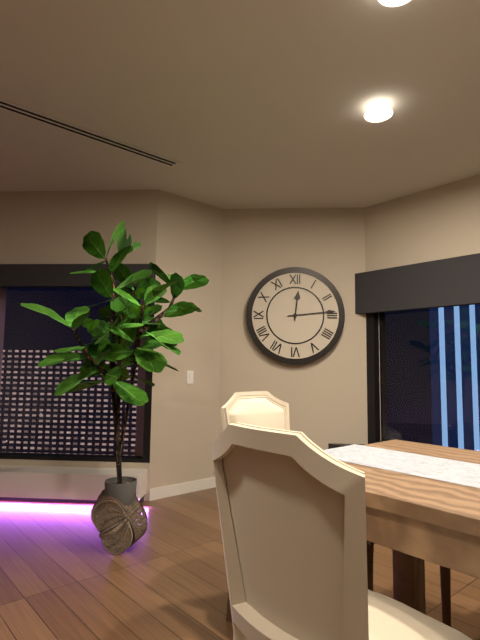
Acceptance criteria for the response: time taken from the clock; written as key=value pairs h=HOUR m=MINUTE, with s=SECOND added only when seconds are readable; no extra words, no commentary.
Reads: h=12 m=14
